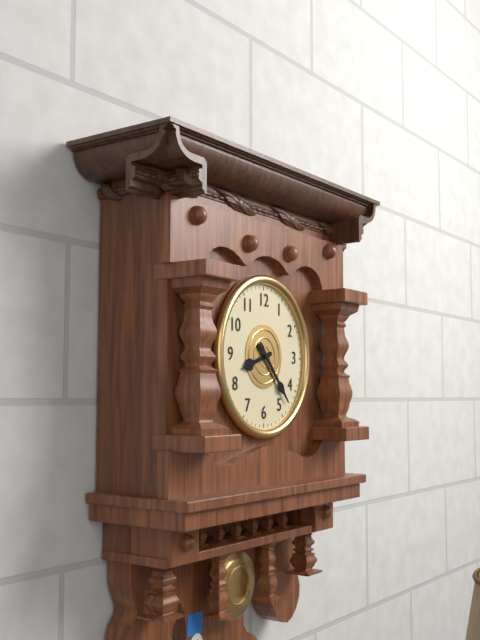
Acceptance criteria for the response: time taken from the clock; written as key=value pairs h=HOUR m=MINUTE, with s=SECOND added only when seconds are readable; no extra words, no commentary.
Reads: h=8 m=23
